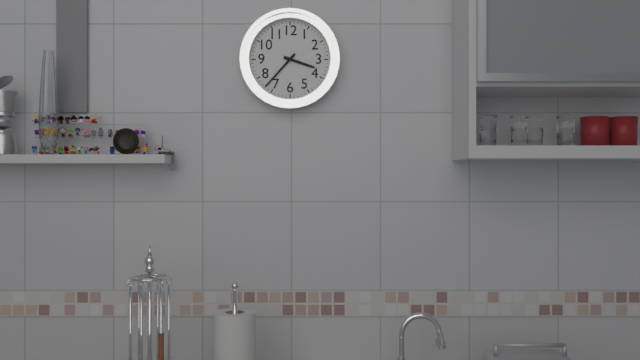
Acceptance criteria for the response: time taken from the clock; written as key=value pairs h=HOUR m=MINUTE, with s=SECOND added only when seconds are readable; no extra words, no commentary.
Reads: h=3 m=37
